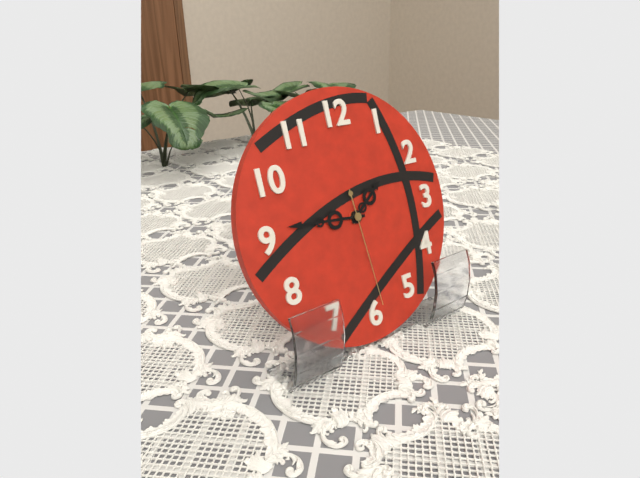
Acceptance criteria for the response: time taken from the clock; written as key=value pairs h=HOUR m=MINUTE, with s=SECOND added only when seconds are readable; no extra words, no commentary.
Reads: h=1 m=46 s=29
